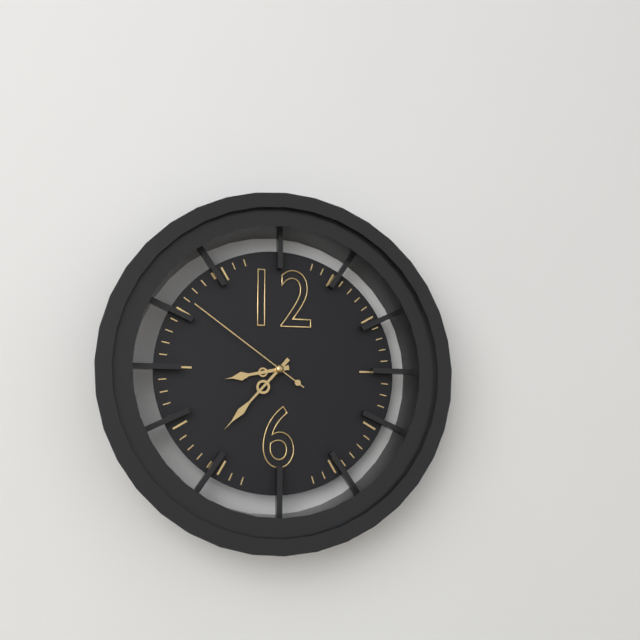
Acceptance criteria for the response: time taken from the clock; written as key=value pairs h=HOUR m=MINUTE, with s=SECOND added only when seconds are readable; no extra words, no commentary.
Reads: h=8 m=37 s=51
